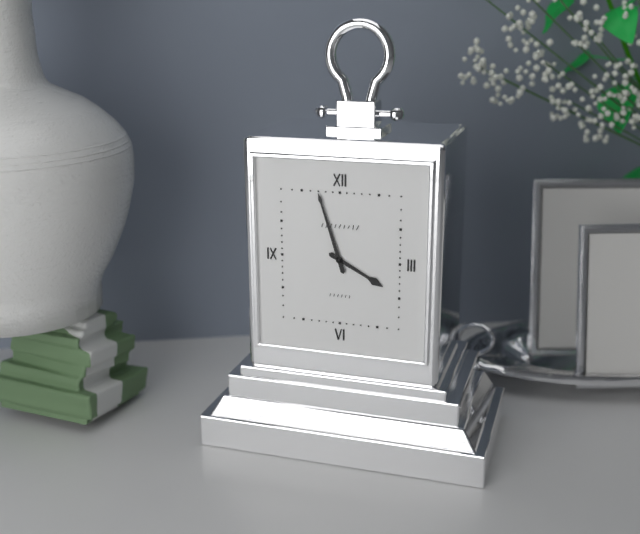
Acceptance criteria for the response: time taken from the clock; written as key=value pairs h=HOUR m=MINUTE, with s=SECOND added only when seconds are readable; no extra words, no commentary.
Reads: h=3 m=57
